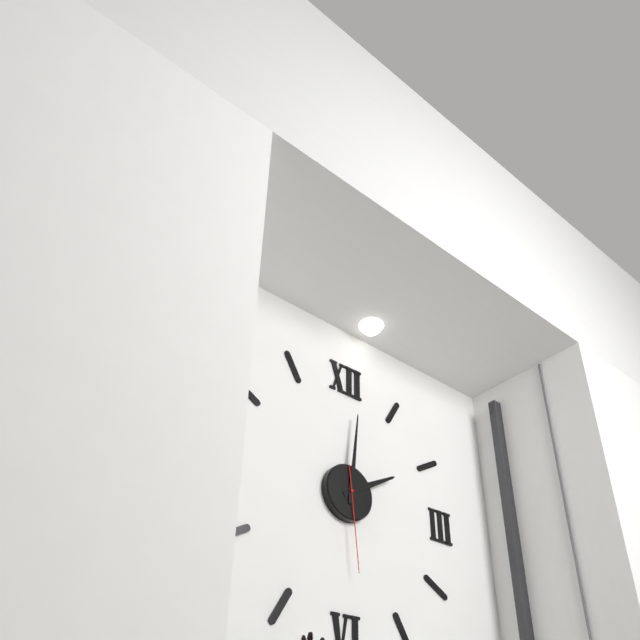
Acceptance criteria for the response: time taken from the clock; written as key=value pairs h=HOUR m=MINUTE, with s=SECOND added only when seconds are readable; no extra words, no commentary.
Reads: h=2 m=1 s=29
